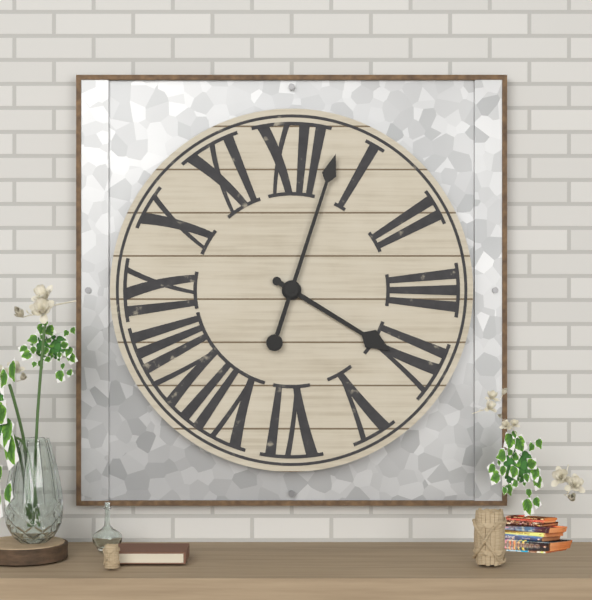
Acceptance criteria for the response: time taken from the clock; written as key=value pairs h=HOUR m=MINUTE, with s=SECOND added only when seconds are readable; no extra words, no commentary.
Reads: h=4 m=3
